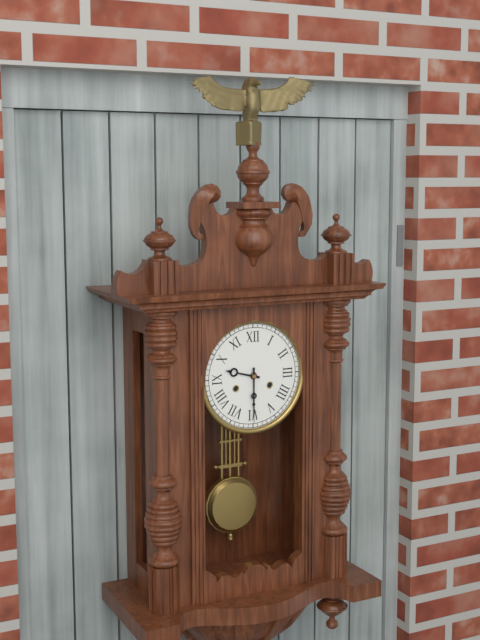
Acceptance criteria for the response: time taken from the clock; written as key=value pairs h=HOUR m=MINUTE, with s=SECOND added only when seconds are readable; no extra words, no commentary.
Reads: h=9 m=30
